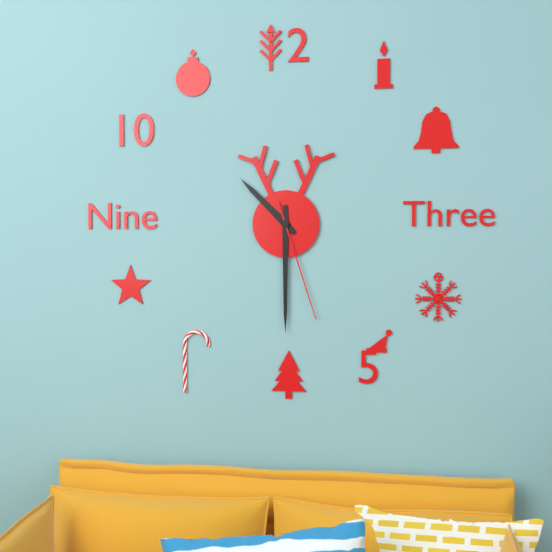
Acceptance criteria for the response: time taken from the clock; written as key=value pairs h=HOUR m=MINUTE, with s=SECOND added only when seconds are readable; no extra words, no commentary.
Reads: h=10 m=30 s=27
